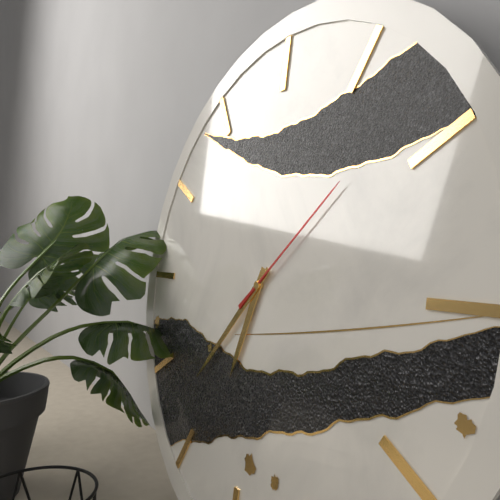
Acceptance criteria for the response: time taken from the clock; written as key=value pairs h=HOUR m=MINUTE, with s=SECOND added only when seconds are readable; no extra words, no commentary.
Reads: h=6 m=37 s=8
